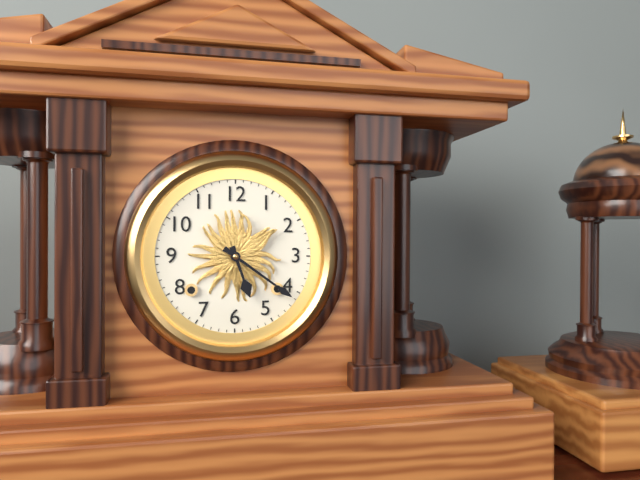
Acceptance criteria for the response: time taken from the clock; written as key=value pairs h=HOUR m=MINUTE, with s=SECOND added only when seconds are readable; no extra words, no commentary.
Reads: h=5 m=21
